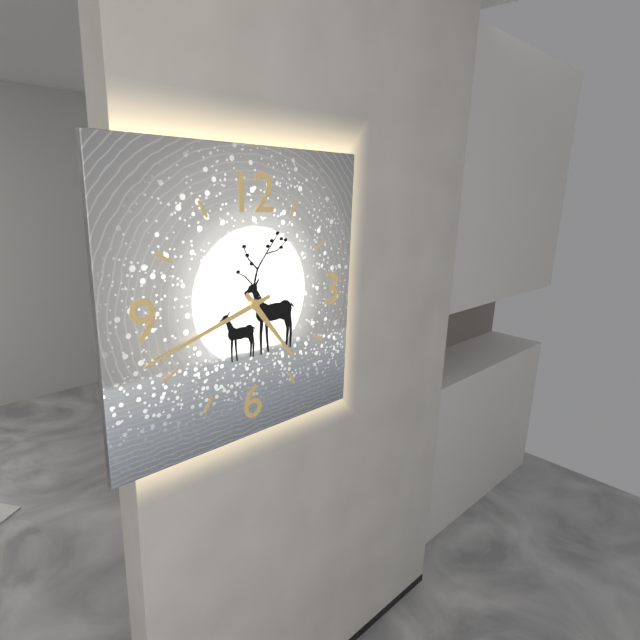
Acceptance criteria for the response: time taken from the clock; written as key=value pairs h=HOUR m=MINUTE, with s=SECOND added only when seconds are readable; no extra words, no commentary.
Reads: h=4 m=42
